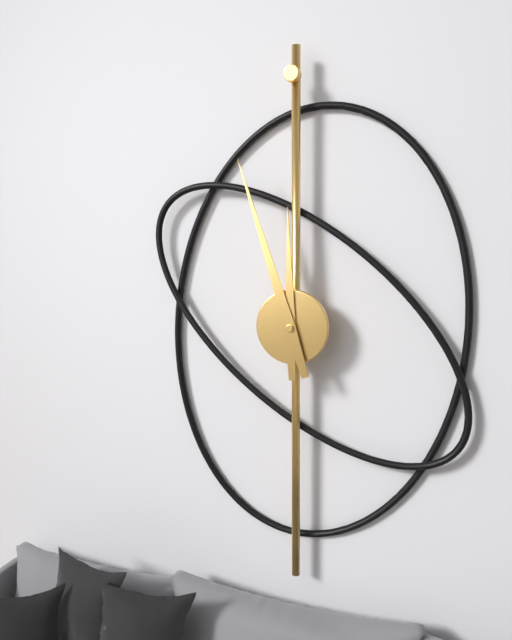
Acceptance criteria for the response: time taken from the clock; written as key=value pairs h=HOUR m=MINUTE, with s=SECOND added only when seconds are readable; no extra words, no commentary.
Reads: h=11 m=57
